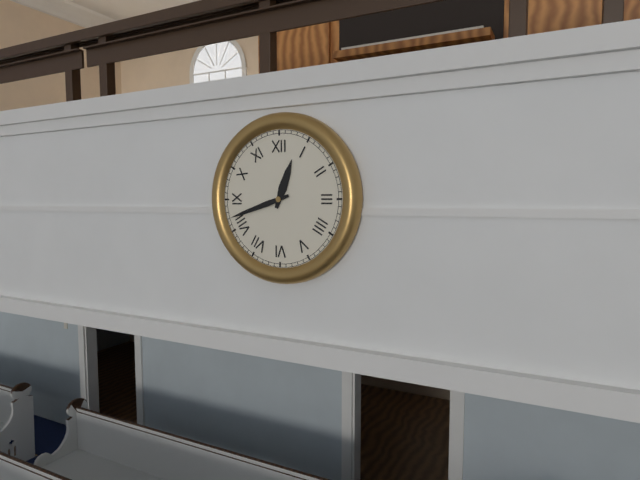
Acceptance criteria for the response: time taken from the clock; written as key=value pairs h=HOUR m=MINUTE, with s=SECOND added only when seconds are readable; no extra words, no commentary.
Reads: h=12 m=42
